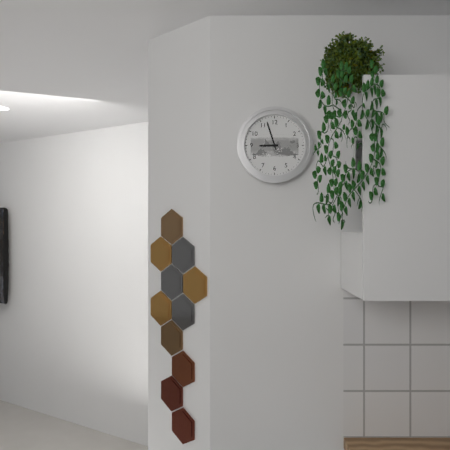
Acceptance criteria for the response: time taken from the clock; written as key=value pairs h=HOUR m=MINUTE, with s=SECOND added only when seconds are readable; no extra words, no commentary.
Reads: h=8 m=57
